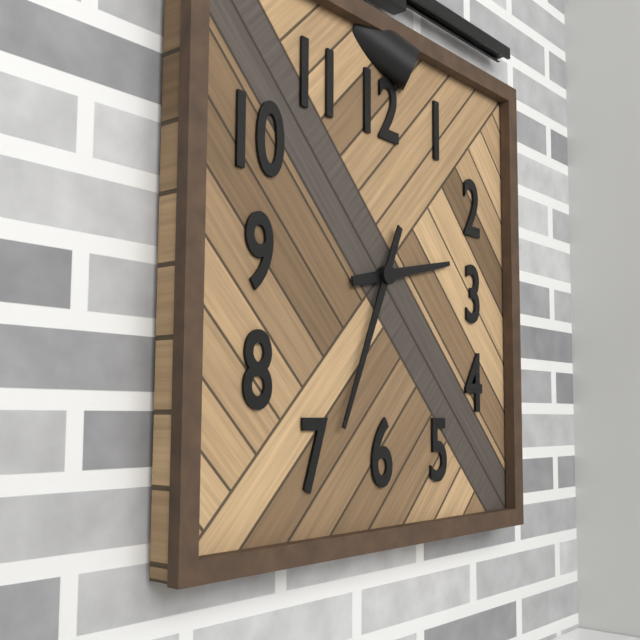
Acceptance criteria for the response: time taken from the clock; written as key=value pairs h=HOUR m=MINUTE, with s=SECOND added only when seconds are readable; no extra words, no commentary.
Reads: h=2 m=34
